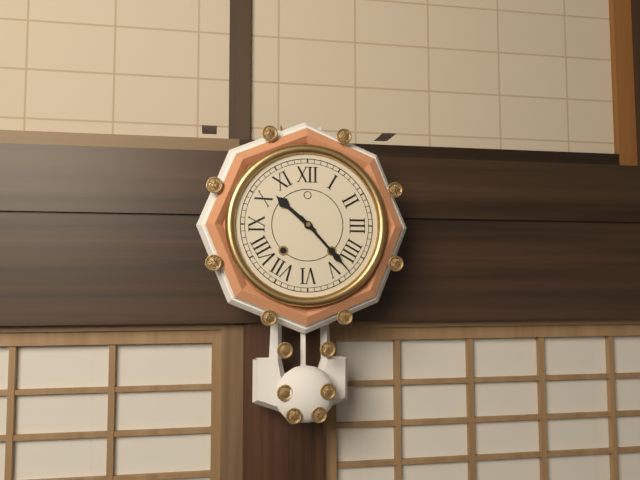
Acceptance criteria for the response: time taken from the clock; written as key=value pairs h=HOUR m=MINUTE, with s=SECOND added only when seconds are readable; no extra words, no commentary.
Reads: h=10 m=23
